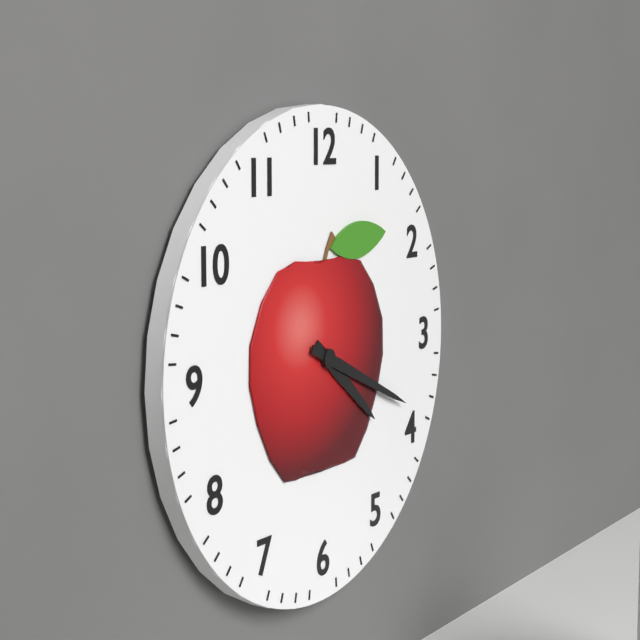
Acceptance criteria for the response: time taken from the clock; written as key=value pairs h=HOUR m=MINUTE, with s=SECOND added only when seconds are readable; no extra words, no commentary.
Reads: h=4 m=19
